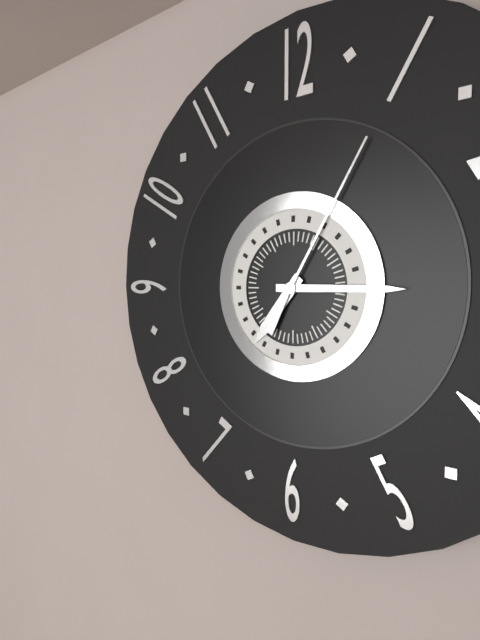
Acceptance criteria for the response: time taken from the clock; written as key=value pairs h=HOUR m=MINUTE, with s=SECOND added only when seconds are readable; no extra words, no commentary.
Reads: h=7 m=15 s=5
